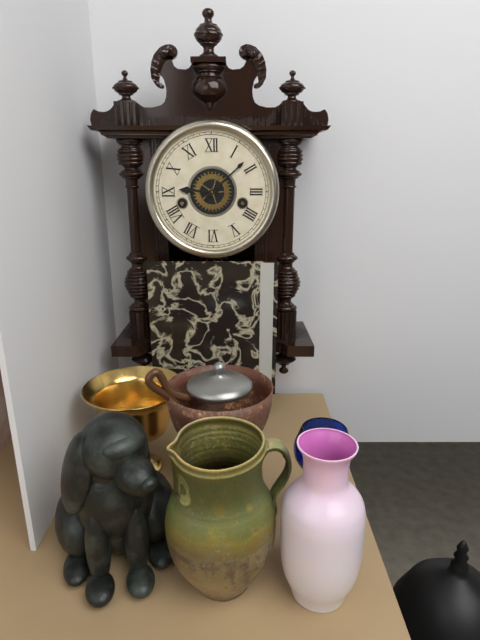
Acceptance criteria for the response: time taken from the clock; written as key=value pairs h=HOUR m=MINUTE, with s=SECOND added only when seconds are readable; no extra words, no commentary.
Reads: h=9 m=8
